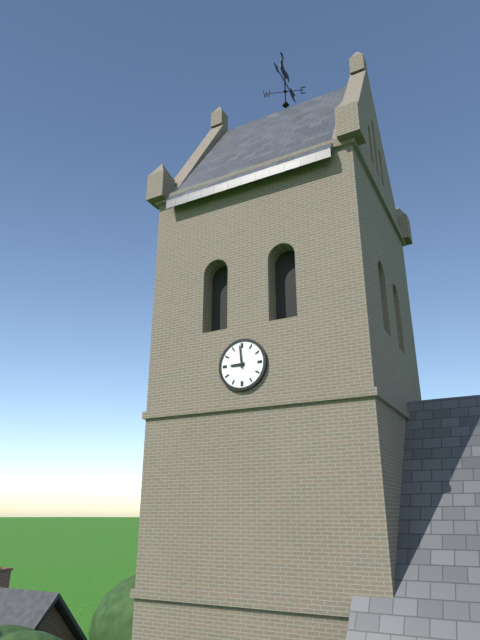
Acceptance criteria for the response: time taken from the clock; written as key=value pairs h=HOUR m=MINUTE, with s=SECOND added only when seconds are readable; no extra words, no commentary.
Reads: h=8 m=59
